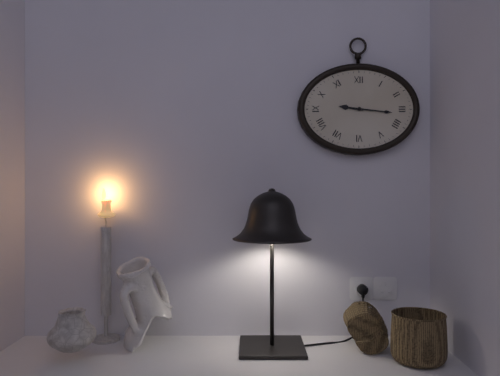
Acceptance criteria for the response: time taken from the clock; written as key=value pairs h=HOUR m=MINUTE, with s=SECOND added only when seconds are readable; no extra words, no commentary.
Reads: h=9 m=16
